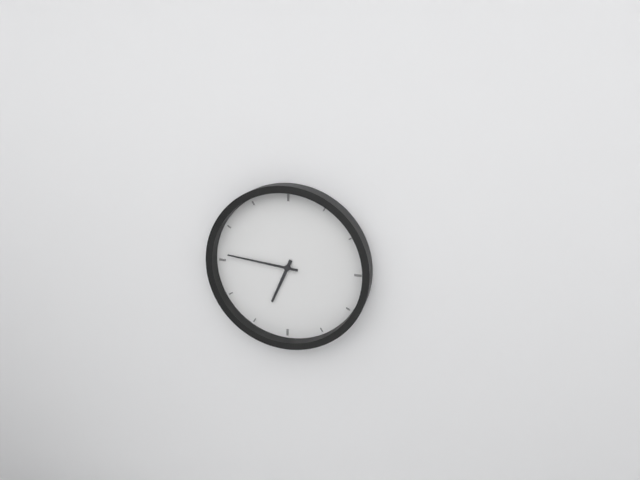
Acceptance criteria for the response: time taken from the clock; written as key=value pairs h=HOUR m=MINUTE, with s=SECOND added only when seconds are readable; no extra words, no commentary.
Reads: h=6 m=46
